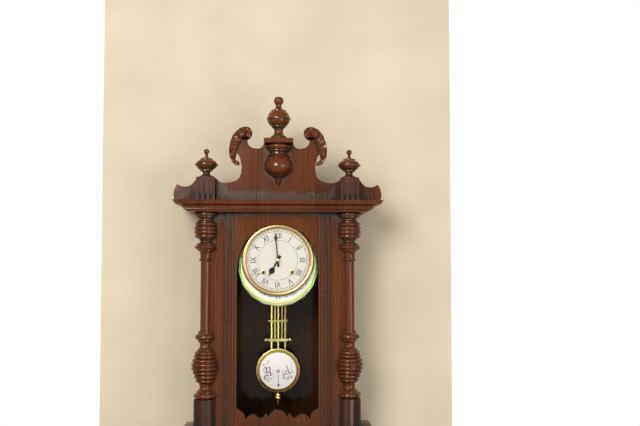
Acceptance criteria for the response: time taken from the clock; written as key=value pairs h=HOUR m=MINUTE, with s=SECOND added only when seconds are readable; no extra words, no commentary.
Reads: h=6 m=59
